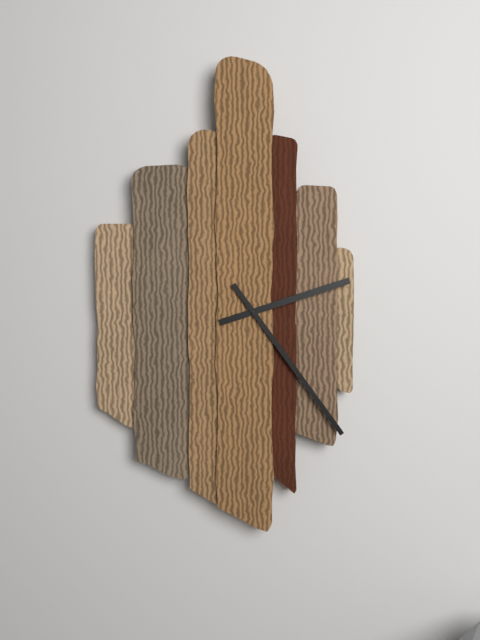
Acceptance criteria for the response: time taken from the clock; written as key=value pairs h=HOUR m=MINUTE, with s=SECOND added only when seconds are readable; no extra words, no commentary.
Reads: h=2 m=24
